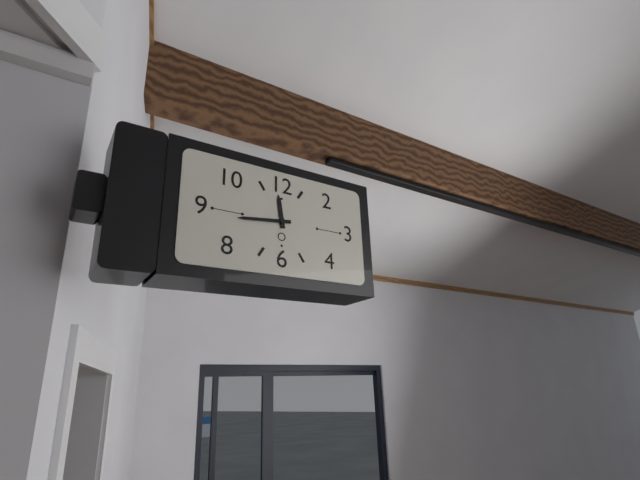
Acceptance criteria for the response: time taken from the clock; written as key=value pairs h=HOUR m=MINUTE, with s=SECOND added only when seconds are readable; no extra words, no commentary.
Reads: h=11 m=44
